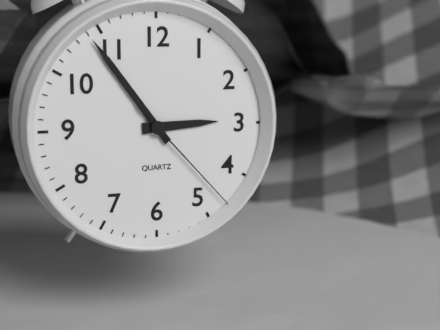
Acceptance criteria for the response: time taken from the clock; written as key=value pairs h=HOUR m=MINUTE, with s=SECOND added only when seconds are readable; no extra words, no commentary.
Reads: h=2 m=54 s=23
